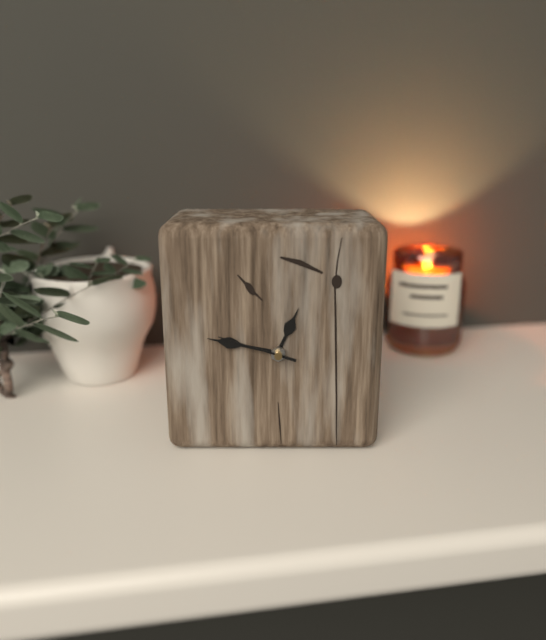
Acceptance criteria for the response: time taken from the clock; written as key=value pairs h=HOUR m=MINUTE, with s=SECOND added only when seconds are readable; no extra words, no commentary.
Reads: h=12 m=47 s=48
